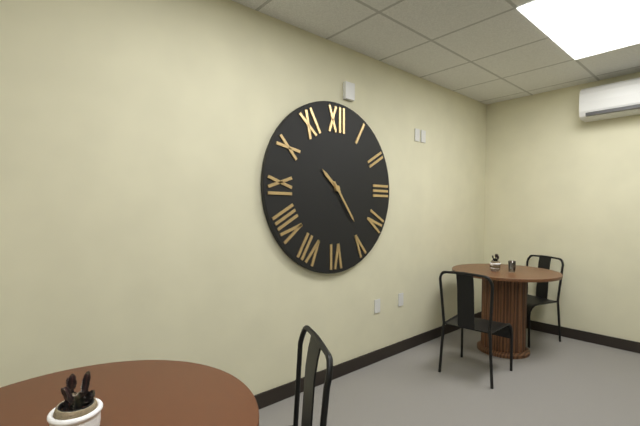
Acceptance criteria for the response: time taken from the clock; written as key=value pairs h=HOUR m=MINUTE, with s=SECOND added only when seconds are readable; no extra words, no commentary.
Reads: h=10 m=24
